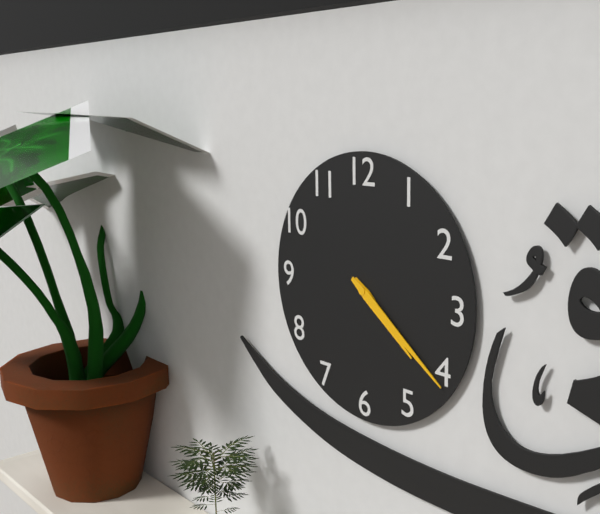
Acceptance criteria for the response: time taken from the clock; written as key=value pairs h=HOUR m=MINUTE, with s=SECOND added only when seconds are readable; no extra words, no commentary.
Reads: h=4 m=21
